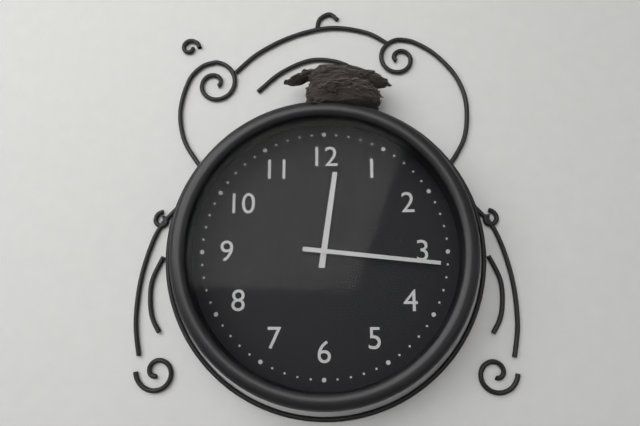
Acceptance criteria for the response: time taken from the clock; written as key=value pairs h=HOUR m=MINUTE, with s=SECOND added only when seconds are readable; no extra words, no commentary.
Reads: h=12 m=16
